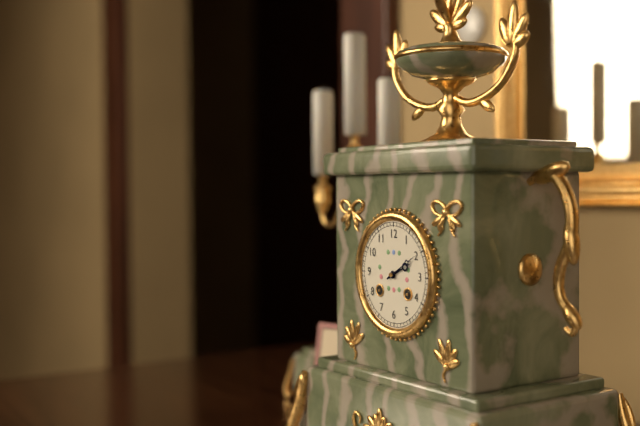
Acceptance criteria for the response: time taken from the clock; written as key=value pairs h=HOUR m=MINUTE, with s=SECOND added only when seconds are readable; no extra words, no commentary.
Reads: h=2 m=10
